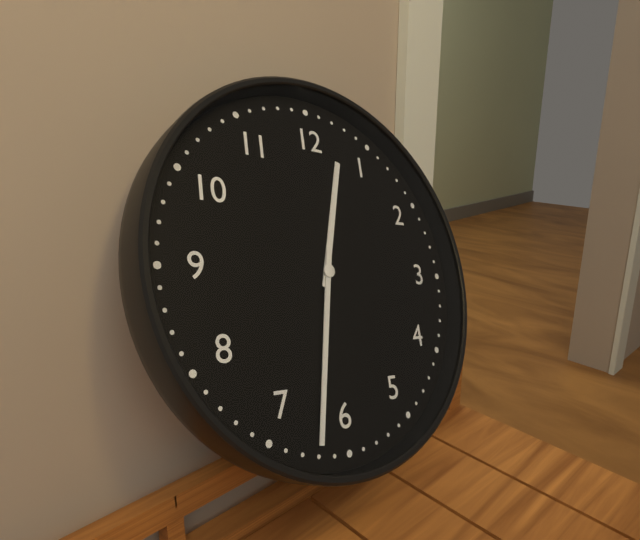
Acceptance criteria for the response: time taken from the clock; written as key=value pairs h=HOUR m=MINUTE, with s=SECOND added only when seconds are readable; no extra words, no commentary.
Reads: h=12 m=32
